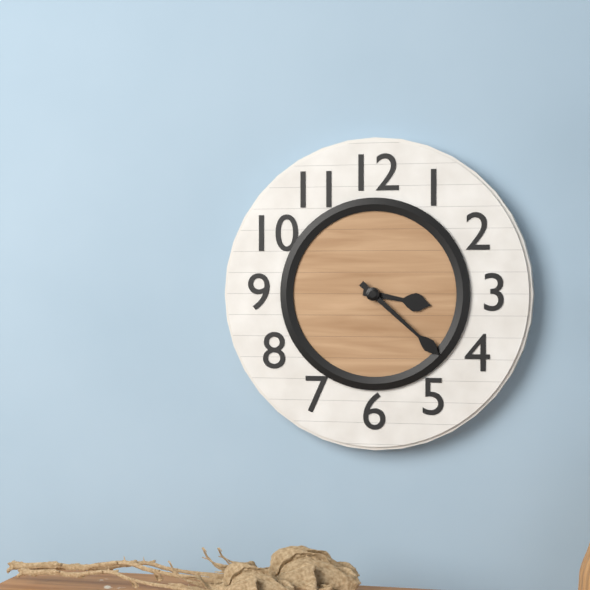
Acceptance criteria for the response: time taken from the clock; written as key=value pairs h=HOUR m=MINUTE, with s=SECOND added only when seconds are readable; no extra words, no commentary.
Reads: h=3 m=22
